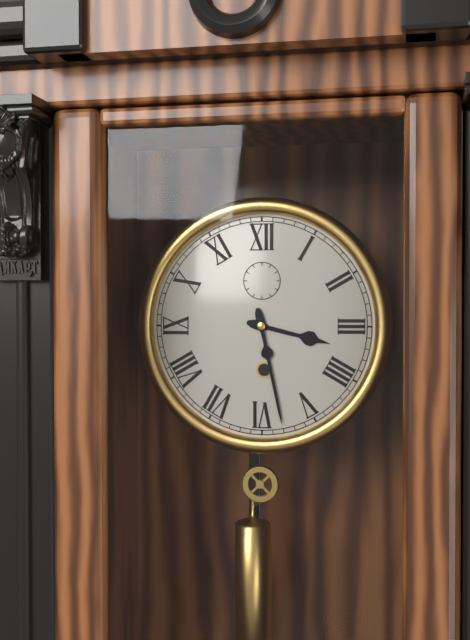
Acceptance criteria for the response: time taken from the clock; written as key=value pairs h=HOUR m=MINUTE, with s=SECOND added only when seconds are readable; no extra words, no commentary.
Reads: h=3 m=28
